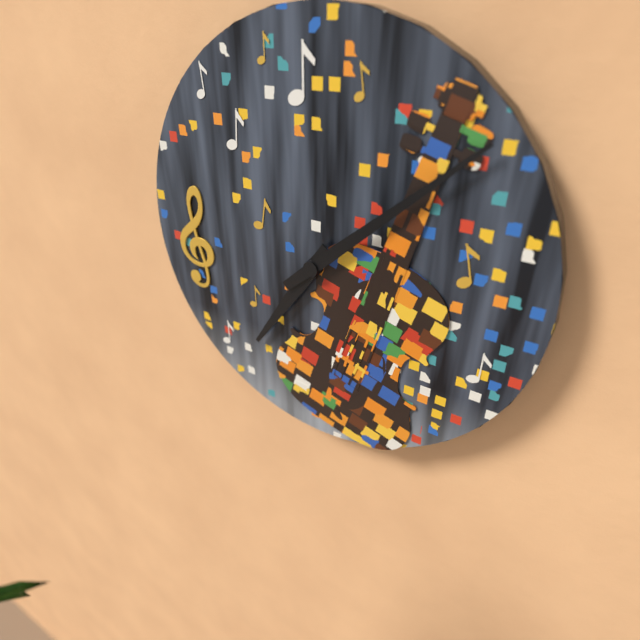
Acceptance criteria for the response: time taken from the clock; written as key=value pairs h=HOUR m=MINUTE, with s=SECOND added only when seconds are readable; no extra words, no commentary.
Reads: h=7 m=8
